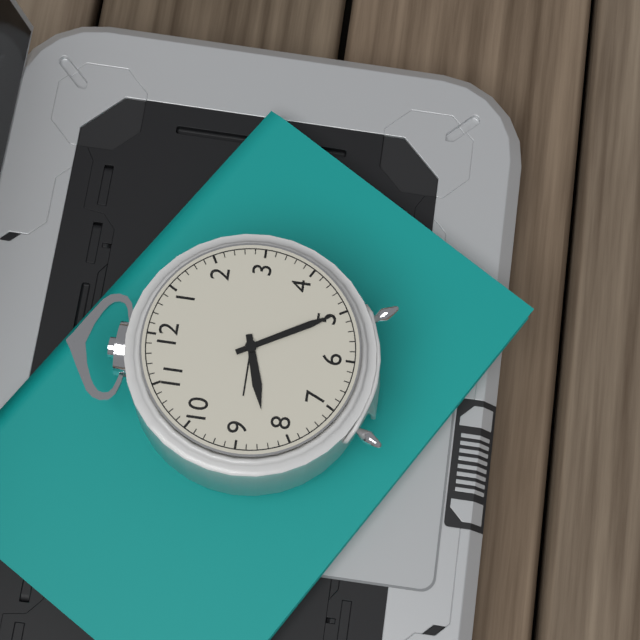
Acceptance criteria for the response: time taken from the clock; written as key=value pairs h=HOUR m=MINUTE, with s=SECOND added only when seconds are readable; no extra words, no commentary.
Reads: h=8 m=25
